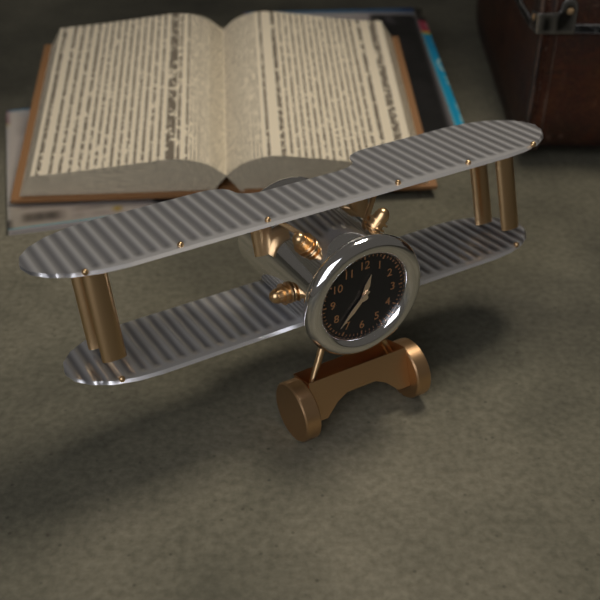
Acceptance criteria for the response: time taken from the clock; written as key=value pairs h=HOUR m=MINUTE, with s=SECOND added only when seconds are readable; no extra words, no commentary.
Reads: h=12 m=37
